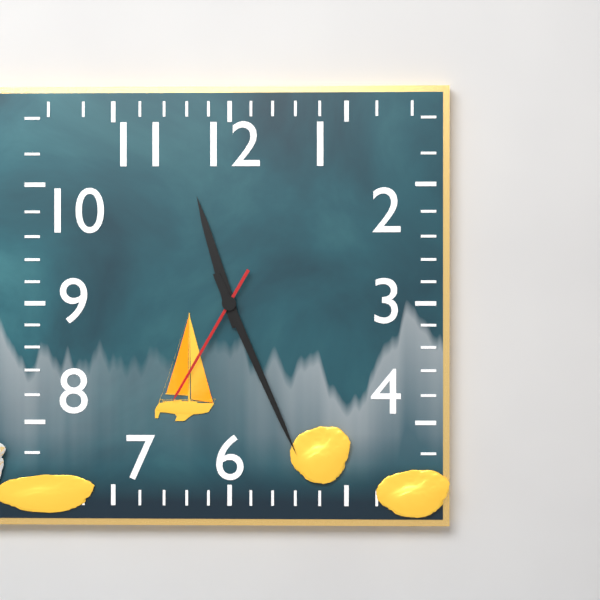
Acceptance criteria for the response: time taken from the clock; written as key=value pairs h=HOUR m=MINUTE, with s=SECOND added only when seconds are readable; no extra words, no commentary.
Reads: h=11 m=26 s=35
